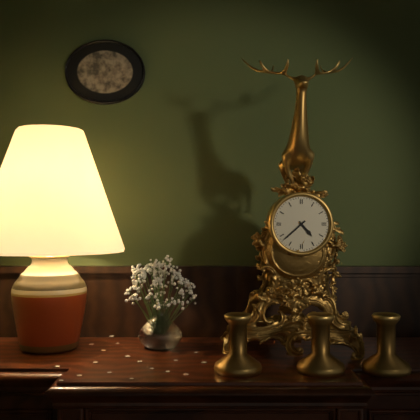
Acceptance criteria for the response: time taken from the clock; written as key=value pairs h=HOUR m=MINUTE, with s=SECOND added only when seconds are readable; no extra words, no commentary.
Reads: h=4 m=38
